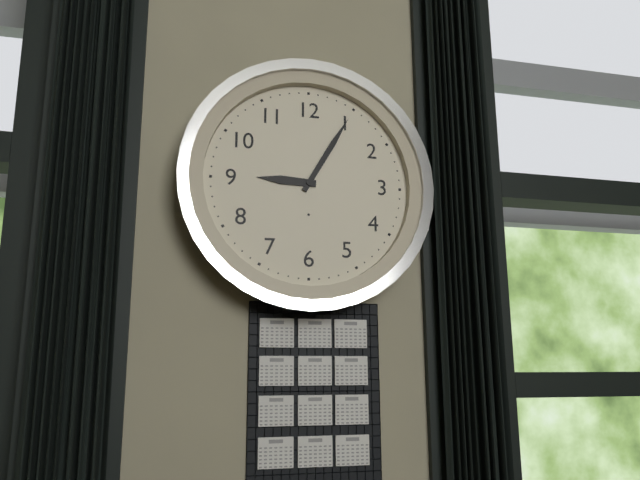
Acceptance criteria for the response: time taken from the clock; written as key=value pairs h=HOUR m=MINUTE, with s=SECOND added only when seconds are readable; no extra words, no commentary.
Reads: h=9 m=5
